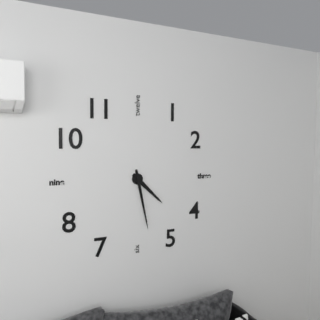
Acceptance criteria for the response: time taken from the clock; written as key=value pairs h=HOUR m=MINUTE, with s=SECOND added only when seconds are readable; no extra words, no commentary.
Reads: h=4 m=28
